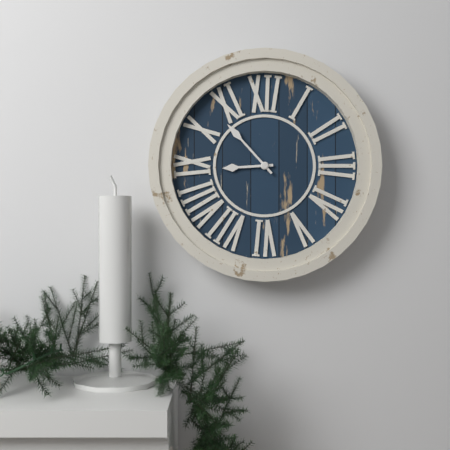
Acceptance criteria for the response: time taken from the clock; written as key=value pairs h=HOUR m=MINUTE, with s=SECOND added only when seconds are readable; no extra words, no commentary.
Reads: h=8 m=53
